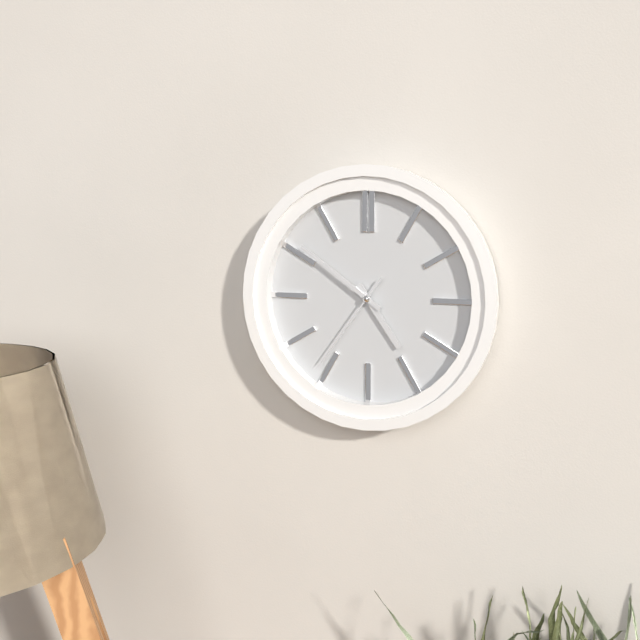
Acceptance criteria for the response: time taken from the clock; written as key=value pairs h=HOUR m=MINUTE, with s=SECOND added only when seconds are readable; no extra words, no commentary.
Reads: h=4 m=51 s=36
